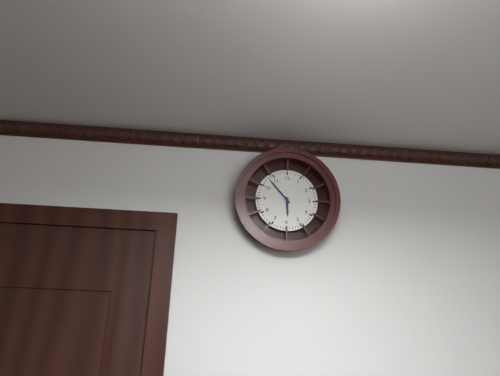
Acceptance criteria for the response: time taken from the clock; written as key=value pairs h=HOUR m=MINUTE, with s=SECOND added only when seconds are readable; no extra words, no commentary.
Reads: h=5 m=53
